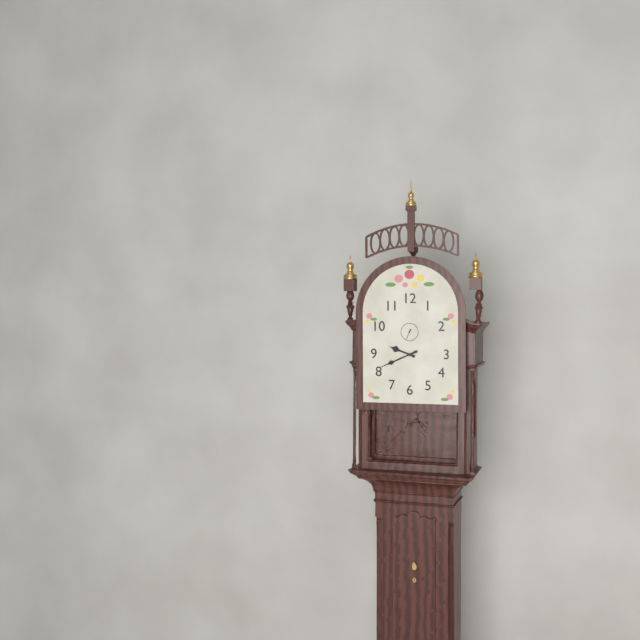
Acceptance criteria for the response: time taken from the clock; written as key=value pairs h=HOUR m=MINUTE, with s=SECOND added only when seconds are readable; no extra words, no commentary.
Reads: h=9 m=41
